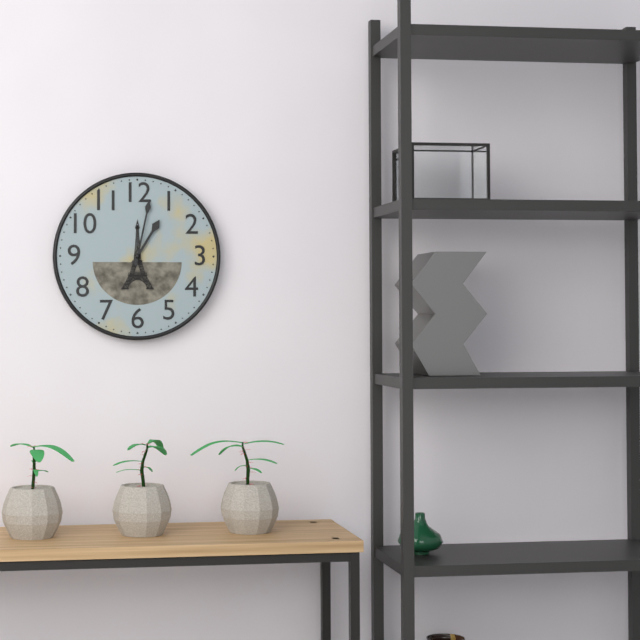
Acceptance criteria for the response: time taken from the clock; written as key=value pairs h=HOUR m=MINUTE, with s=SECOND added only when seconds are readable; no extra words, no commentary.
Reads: h=1 m=2
